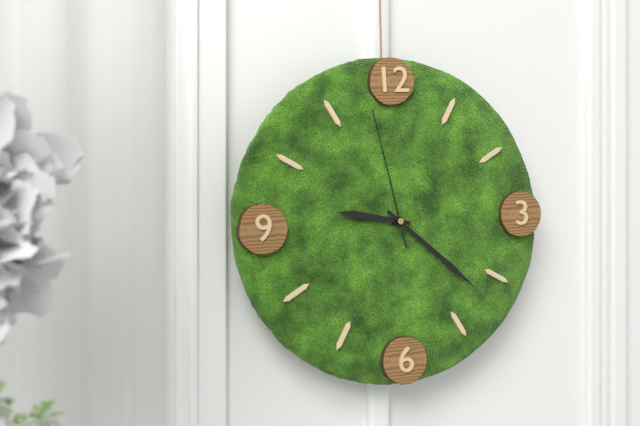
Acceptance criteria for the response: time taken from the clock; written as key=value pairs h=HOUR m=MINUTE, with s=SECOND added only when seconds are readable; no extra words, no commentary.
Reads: h=9 m=22 s=58
